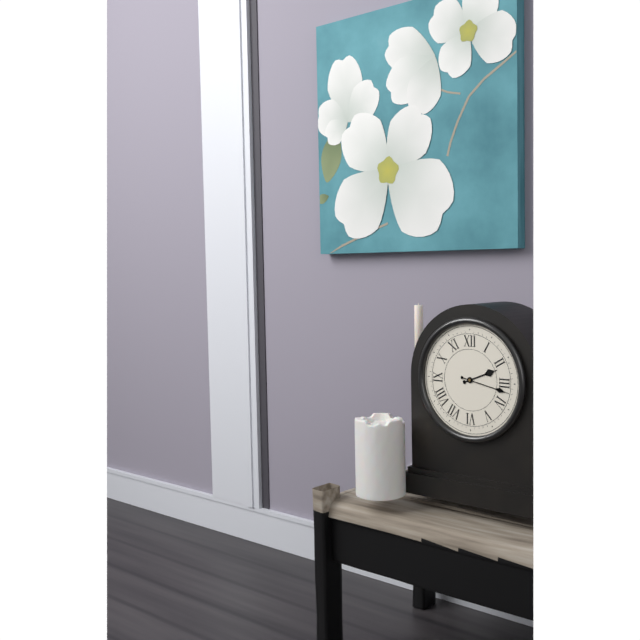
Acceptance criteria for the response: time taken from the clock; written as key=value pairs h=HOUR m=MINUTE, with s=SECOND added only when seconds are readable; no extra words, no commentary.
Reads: h=2 m=17
